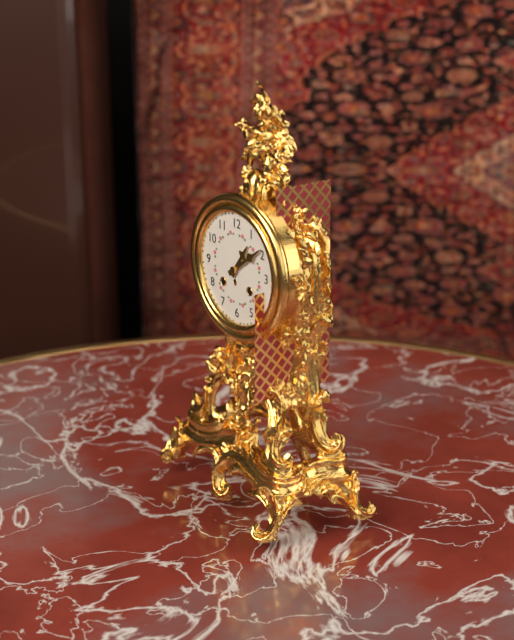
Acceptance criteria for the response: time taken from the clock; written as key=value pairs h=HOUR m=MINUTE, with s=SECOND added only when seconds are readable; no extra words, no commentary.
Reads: h=1 m=9
